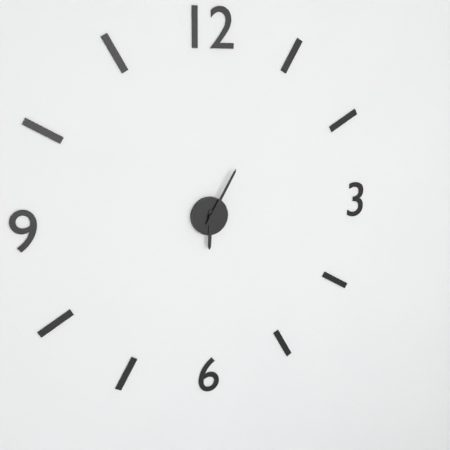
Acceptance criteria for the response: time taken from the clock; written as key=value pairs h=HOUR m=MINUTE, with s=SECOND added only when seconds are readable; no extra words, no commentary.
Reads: h=6 m=5
